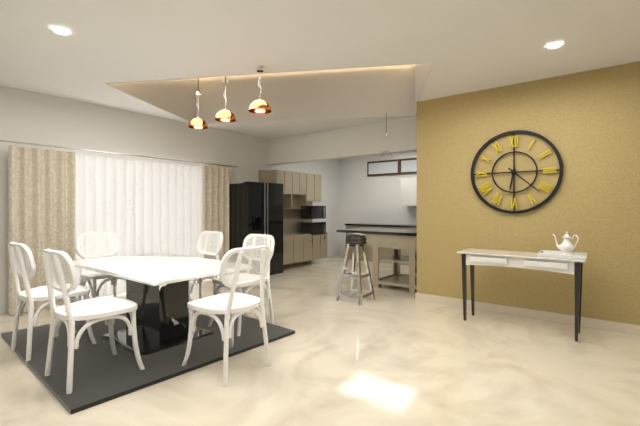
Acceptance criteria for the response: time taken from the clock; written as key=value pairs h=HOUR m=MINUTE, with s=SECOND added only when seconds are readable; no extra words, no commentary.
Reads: h=6 m=22
